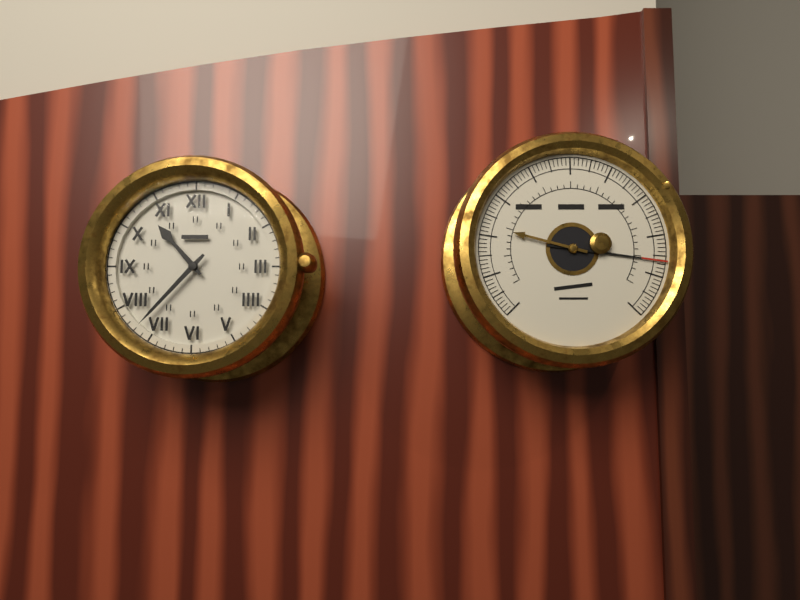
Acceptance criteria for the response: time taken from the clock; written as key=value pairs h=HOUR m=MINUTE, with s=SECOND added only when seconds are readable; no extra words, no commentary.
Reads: h=10 m=37
